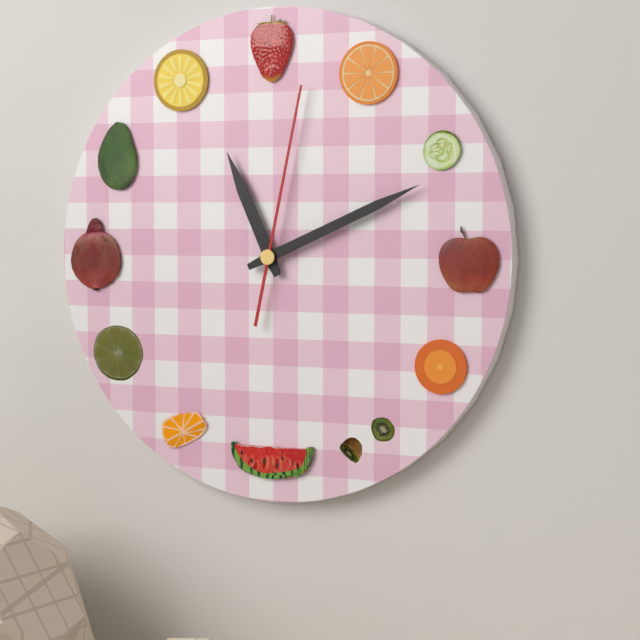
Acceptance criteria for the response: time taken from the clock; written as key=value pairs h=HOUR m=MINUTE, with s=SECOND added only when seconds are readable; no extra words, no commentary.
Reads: h=11 m=11 s=2
